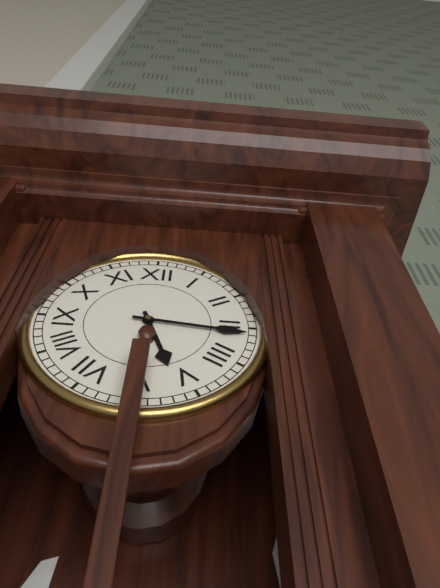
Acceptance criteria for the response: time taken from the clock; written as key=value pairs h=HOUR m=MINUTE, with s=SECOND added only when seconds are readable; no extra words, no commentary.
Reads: h=5 m=16
